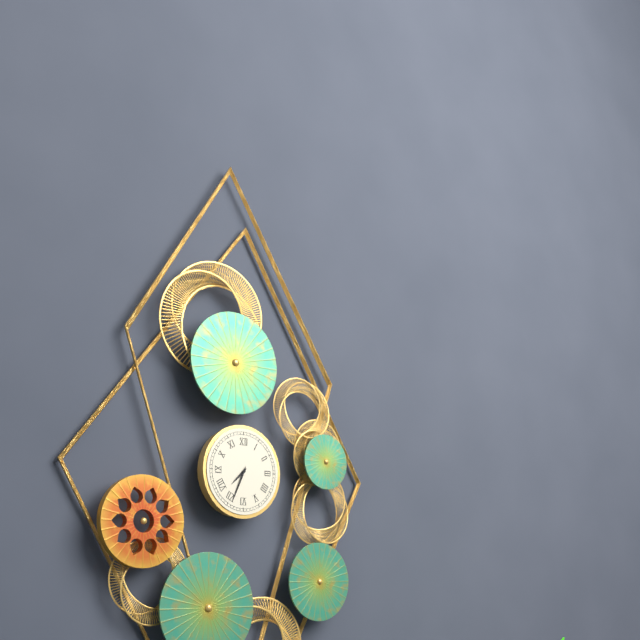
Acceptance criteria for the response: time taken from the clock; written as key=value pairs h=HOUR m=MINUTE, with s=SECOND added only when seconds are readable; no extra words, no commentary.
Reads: h=7 m=34
